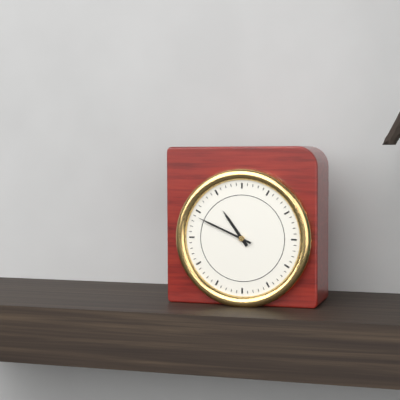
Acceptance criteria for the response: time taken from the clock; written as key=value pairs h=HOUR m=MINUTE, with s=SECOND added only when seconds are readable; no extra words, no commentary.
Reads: h=10 m=49
